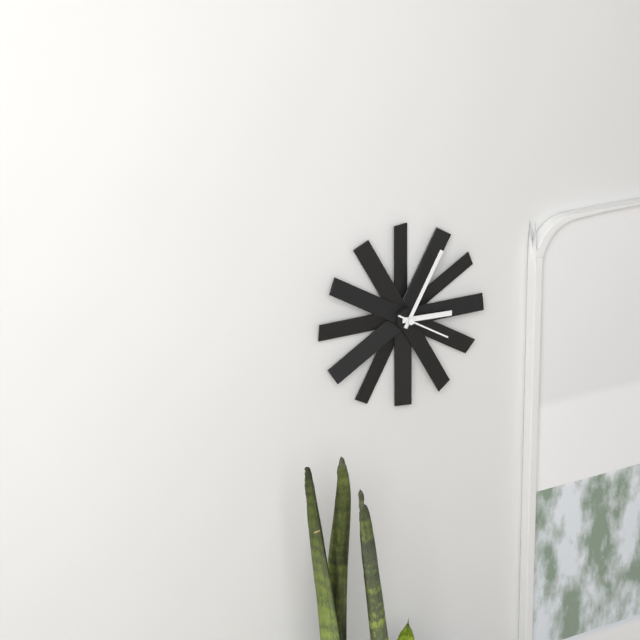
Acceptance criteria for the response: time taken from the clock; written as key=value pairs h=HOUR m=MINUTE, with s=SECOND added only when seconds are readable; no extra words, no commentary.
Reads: h=3 m=5 s=20
